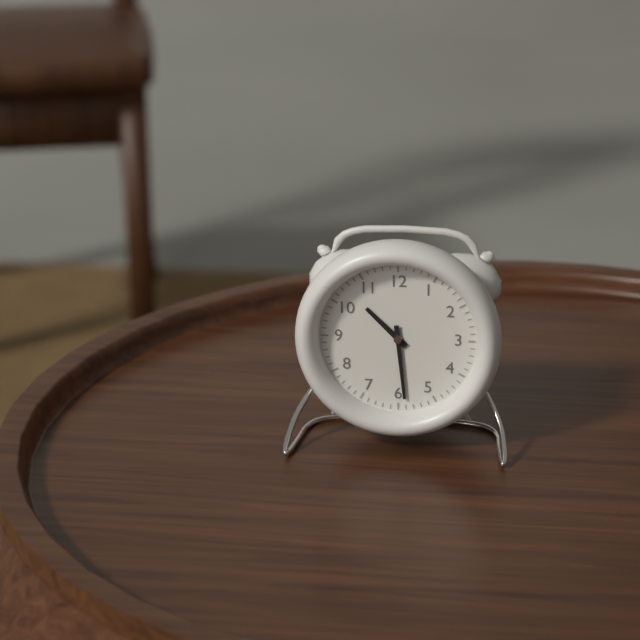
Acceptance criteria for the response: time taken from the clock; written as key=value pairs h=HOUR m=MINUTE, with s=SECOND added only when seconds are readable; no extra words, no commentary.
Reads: h=10 m=29
